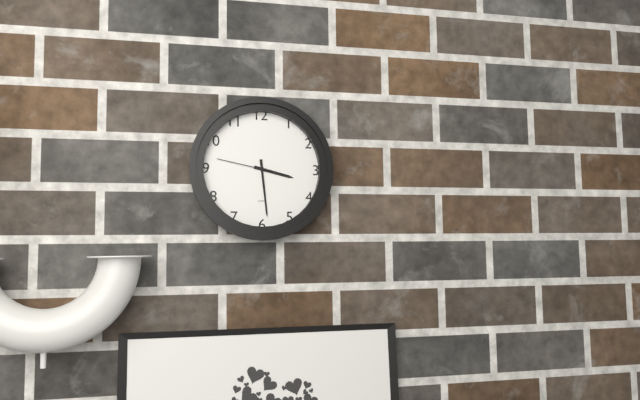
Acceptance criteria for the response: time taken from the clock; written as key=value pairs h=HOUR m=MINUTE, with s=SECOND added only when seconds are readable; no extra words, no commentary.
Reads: h=3 m=29 s=47
